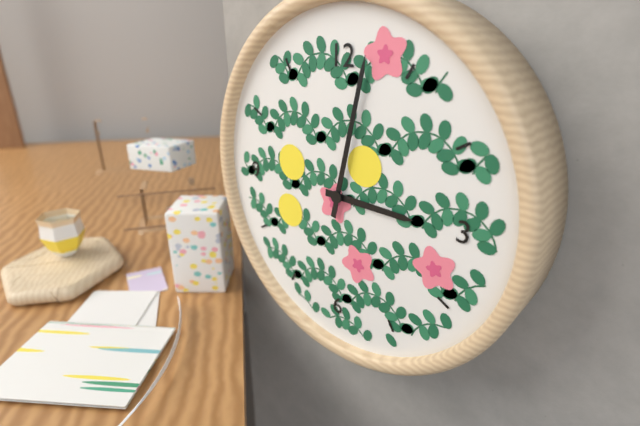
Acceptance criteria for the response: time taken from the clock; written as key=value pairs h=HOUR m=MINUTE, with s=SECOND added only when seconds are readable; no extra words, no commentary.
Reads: h=3 m=2
